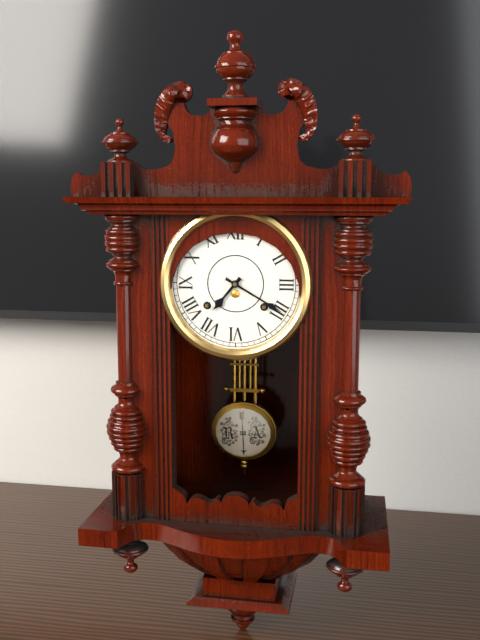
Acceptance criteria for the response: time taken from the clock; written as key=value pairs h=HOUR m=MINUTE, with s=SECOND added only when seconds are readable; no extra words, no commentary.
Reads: h=7 m=20
